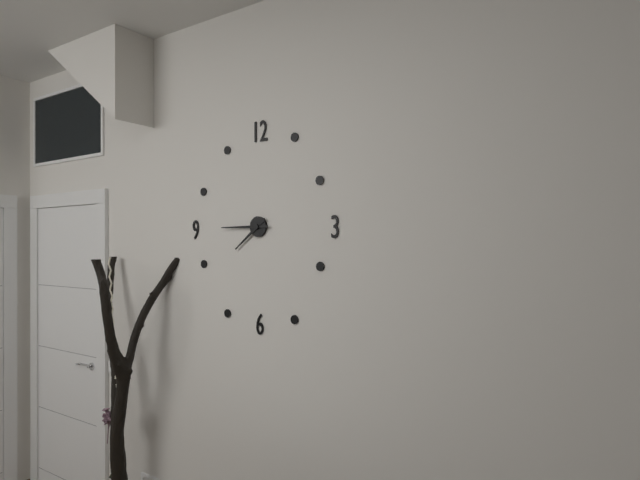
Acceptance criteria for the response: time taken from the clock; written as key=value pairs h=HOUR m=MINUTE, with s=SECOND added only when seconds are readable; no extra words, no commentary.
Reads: h=7 m=45
